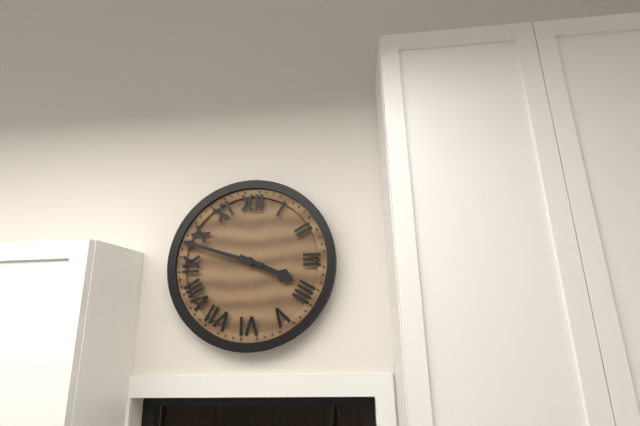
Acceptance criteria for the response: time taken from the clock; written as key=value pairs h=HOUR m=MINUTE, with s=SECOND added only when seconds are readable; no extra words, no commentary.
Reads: h=3 m=48
